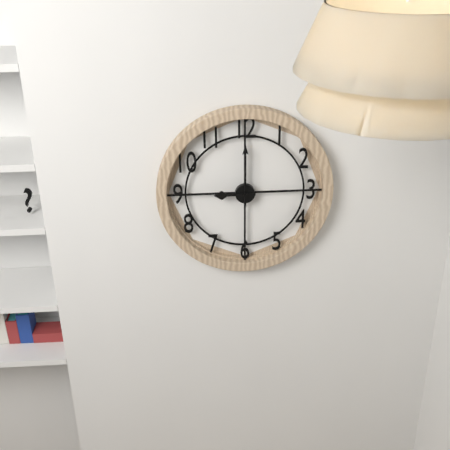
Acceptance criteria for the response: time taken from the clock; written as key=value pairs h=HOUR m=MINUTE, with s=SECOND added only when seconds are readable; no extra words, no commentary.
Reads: h=9 m=0
